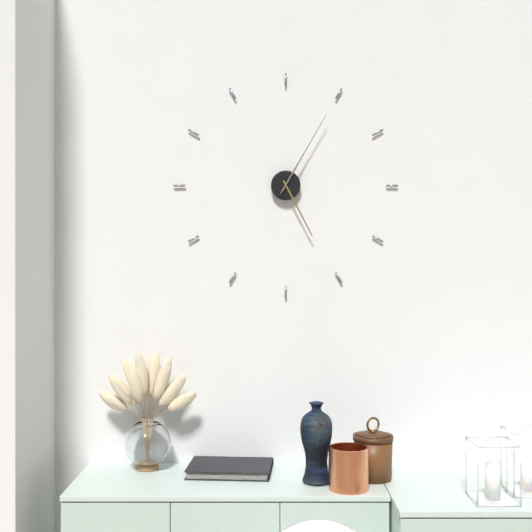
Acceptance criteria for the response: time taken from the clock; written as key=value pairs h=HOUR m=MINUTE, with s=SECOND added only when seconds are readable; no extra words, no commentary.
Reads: h=5 m=5
